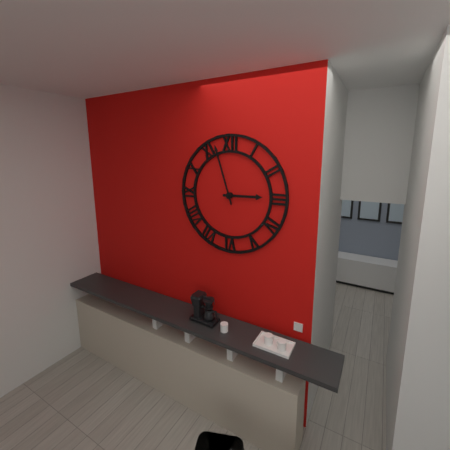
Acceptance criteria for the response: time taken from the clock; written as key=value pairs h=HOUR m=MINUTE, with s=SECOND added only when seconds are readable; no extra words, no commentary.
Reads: h=2 m=57
